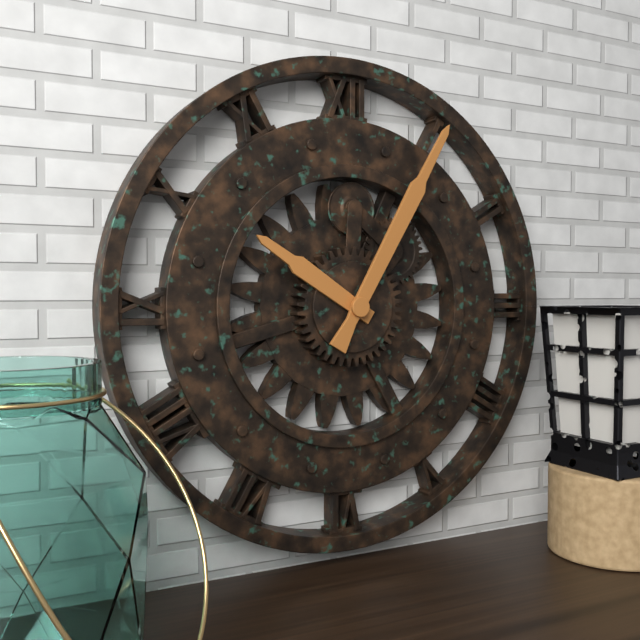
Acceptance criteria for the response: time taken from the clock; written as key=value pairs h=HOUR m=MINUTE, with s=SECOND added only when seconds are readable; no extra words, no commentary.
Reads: h=10 m=5
